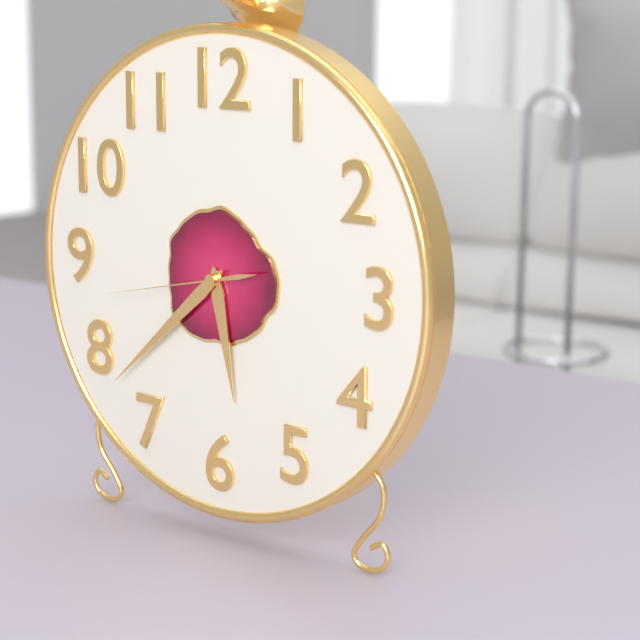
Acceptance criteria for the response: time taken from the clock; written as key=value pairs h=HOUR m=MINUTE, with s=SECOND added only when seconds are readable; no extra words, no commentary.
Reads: h=5 m=38 s=43
